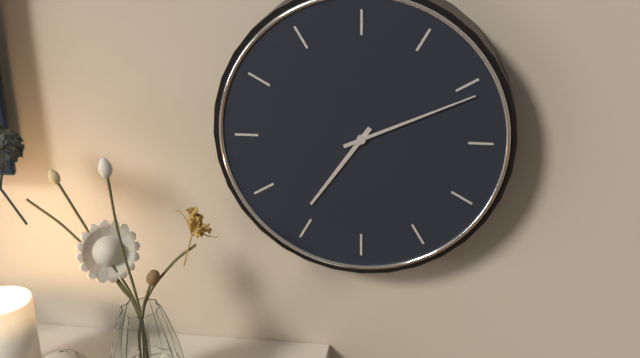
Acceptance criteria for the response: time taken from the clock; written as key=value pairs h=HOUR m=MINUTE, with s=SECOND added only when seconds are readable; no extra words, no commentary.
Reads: h=7 m=11
